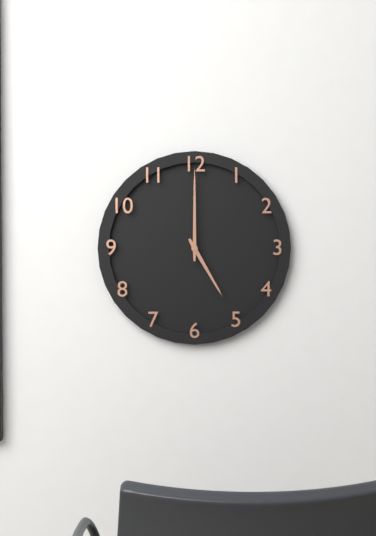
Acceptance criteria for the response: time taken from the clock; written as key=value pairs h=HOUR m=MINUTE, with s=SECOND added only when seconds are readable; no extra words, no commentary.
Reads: h=5 m=0
